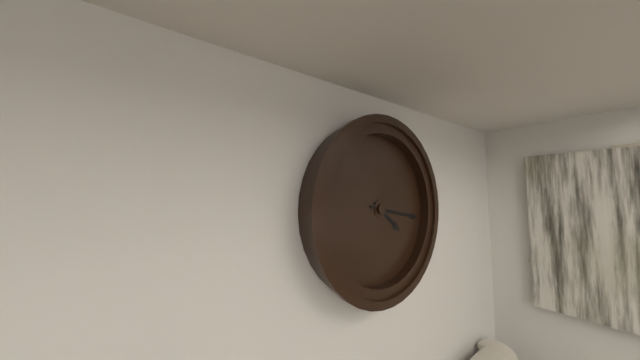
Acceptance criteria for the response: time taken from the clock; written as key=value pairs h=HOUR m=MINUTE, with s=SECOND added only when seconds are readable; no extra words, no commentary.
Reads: h=4 m=17
